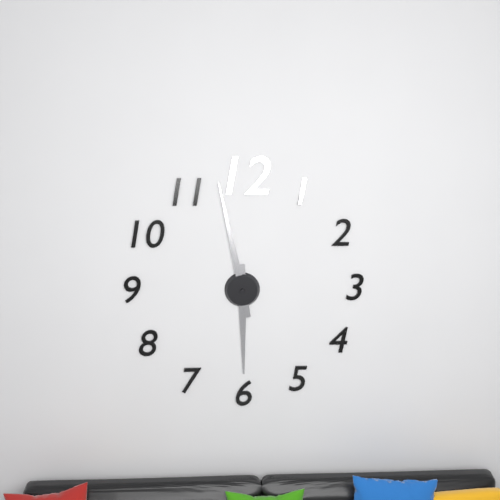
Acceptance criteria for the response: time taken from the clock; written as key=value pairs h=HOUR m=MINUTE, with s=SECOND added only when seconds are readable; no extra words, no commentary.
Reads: h=5 m=58
